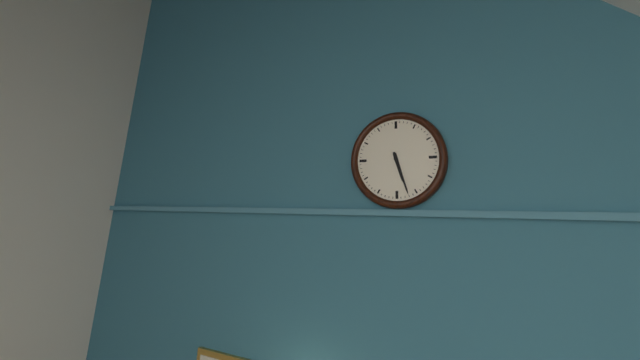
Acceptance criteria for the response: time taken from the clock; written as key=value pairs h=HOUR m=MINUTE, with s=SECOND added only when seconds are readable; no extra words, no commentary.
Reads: h=5 m=27
